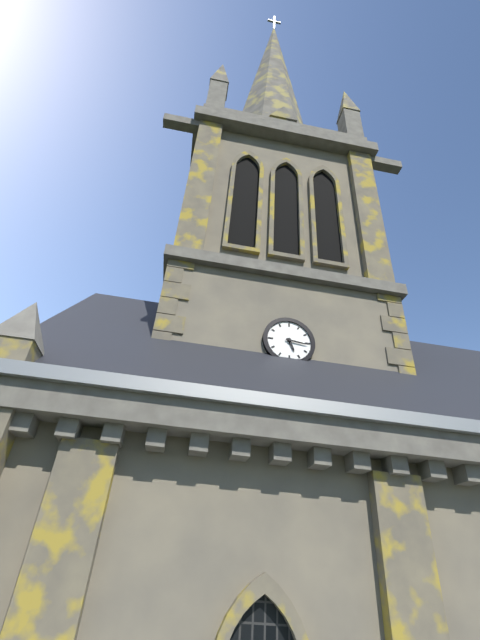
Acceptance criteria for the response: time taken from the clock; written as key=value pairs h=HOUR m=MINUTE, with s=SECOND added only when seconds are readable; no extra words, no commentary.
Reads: h=5 m=16
